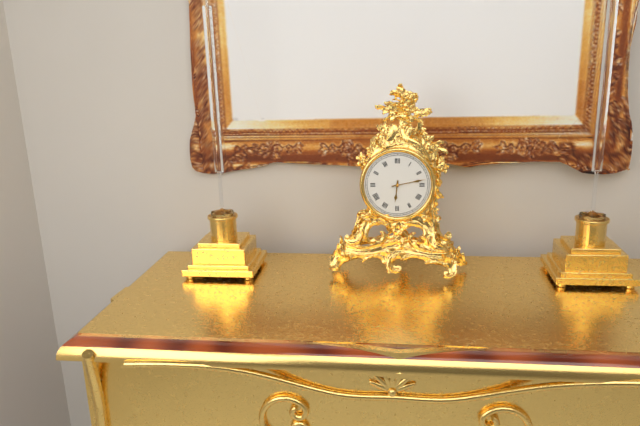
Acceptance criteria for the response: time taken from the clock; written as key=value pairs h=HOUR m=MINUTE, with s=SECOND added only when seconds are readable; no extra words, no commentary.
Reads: h=6 m=13
